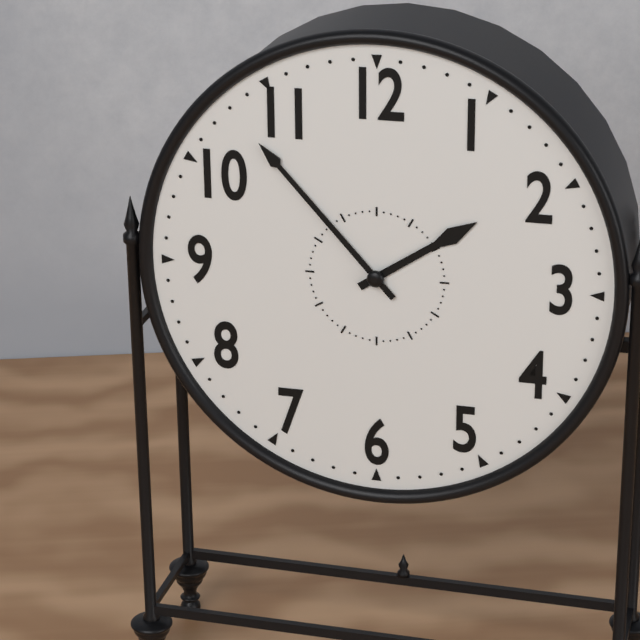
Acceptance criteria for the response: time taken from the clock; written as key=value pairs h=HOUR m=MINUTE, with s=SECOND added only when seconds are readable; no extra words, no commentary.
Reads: h=1 m=53
